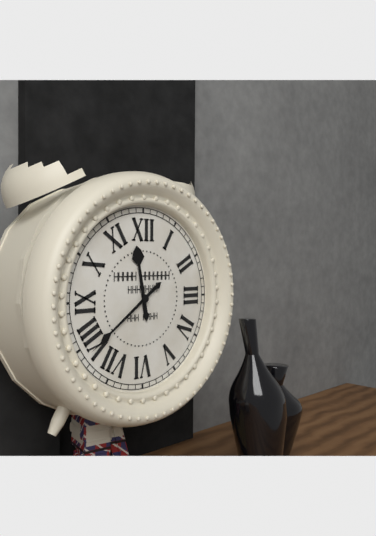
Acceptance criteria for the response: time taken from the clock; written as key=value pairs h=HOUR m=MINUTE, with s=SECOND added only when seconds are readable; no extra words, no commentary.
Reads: h=11 m=39
